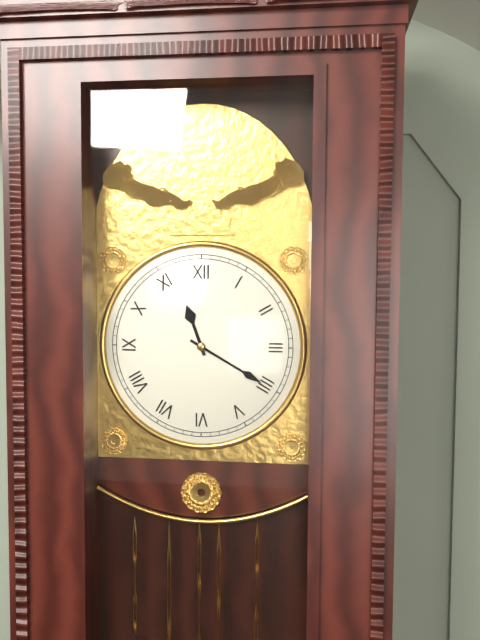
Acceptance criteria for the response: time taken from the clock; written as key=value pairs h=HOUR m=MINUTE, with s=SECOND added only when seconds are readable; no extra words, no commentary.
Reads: h=11 m=20
